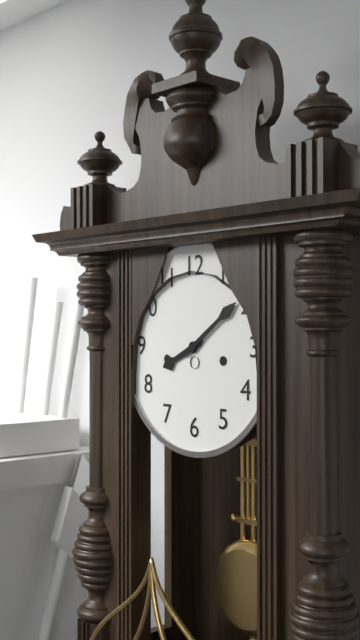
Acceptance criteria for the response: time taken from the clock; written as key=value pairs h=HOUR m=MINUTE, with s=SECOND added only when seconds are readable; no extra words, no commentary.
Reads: h=8 m=9
